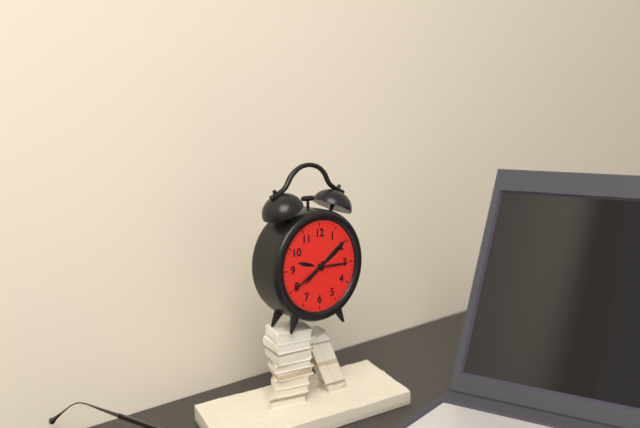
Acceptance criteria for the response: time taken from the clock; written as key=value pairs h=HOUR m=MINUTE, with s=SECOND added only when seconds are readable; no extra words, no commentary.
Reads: h=7 m=40
